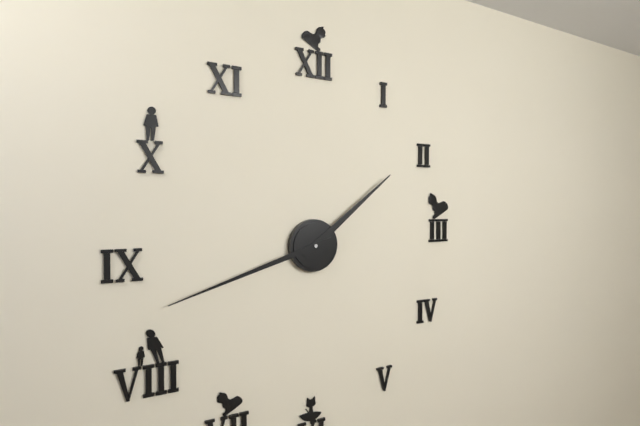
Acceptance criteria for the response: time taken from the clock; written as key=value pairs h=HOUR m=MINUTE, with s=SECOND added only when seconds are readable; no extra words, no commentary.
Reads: h=1 m=42
